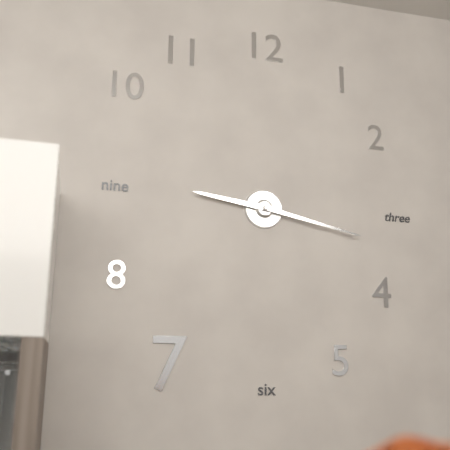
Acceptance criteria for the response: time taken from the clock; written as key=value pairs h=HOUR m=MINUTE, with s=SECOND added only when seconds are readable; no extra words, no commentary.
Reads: h=9 m=17
